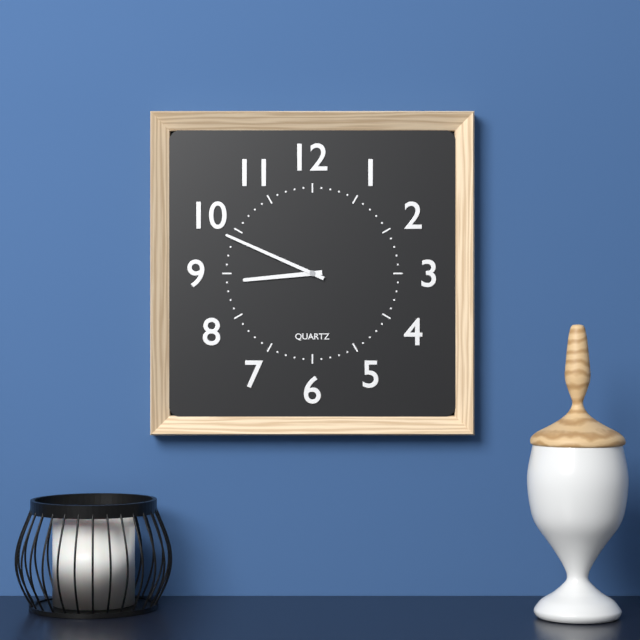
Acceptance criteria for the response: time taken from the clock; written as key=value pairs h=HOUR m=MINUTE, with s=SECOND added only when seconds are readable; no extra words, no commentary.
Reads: h=8 m=49
